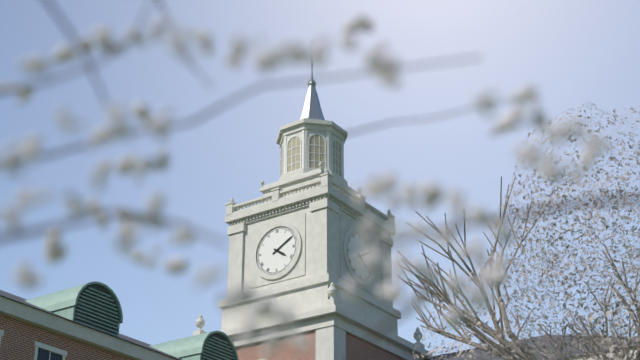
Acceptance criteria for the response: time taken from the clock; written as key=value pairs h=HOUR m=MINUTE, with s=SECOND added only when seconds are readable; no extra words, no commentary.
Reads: h=4 m=10
